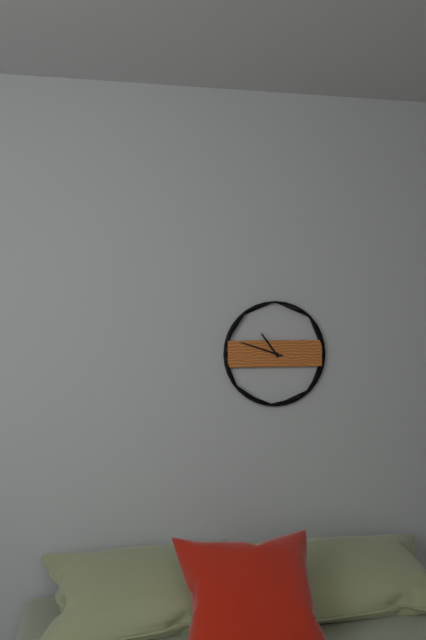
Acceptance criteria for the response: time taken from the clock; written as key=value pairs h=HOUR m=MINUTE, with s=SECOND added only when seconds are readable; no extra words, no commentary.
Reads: h=10 m=48
